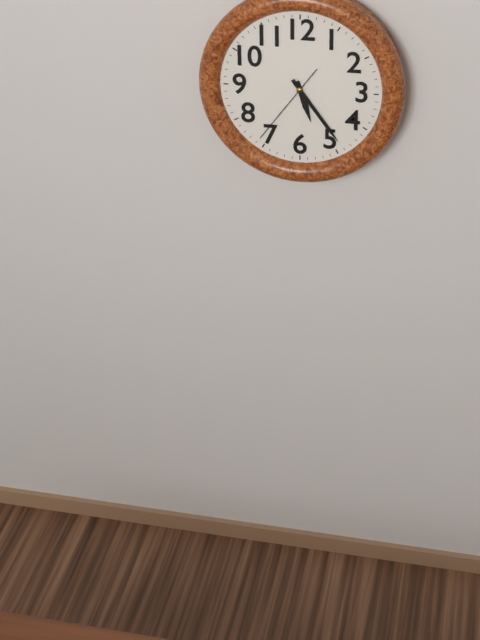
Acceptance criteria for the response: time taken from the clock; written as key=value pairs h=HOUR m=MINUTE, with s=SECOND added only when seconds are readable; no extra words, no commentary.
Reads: h=5 m=24 s=36
